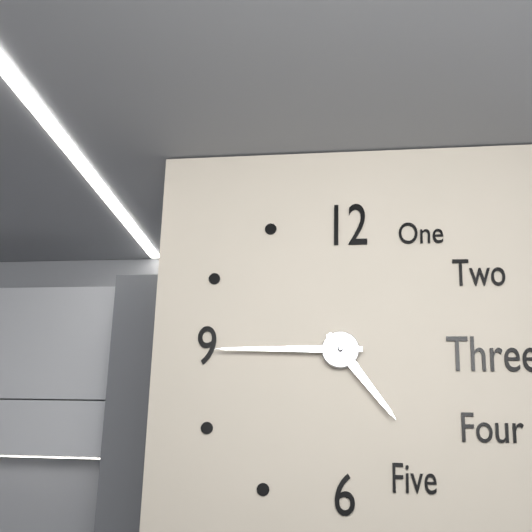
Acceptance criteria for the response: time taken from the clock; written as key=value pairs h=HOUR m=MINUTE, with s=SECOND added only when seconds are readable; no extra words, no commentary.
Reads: h=4 m=45
